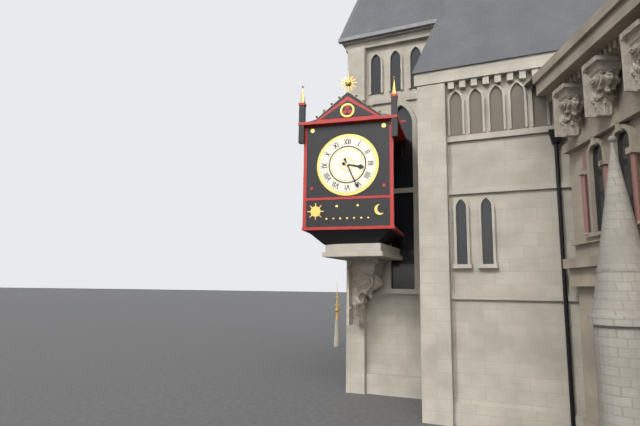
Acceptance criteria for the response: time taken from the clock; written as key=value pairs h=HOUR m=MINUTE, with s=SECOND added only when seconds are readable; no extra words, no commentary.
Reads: h=3 m=26
